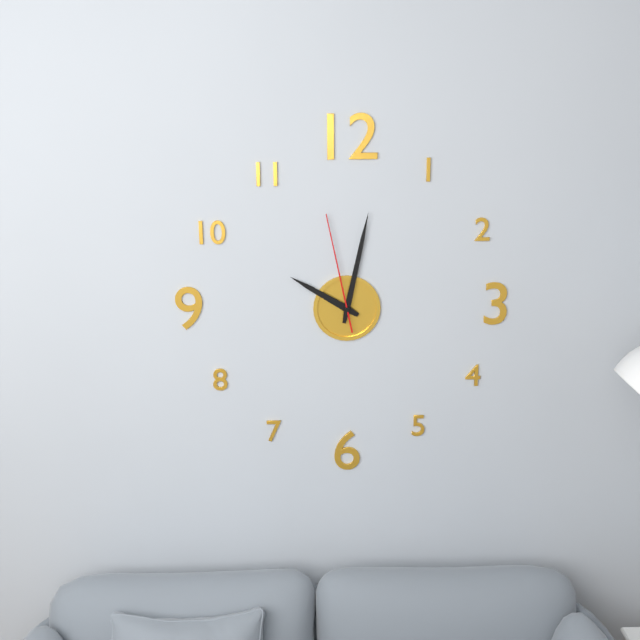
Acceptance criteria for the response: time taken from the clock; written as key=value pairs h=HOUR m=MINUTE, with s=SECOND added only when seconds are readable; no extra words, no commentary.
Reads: h=10 m=2 s=58
